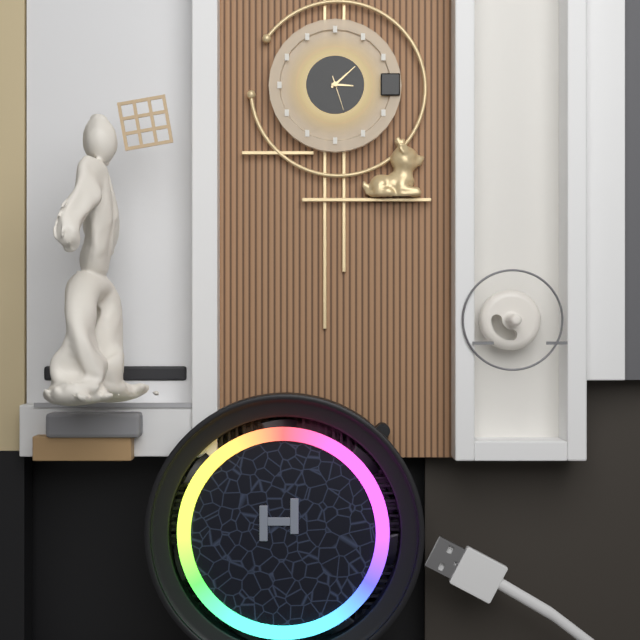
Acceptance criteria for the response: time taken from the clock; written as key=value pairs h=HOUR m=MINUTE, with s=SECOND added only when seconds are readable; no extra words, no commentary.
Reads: h=3 m=8
